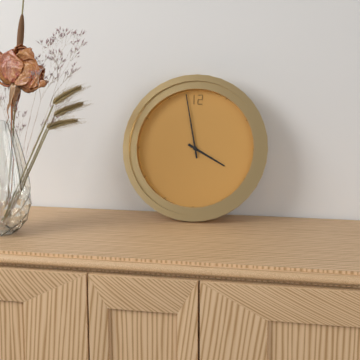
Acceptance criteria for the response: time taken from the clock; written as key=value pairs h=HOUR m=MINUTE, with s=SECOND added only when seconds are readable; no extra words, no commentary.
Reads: h=3 m=58
